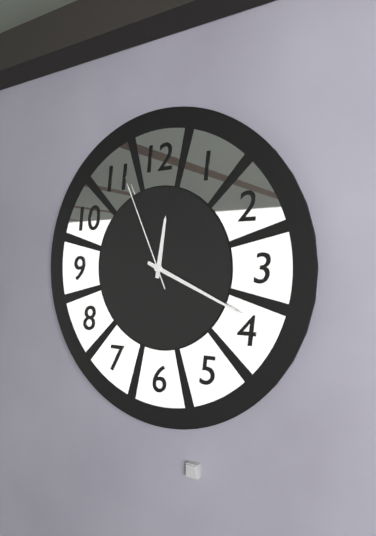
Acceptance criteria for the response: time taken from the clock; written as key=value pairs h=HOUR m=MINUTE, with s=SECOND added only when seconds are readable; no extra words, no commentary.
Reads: h=12 m=19 s=56
